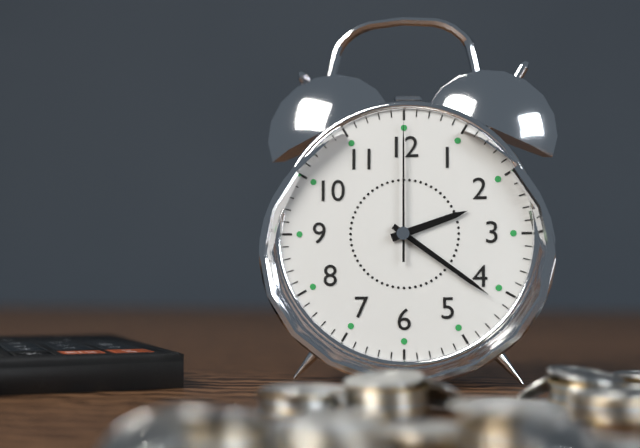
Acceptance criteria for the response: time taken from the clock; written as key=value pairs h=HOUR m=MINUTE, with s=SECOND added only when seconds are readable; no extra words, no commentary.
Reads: h=2 m=21 s=0
